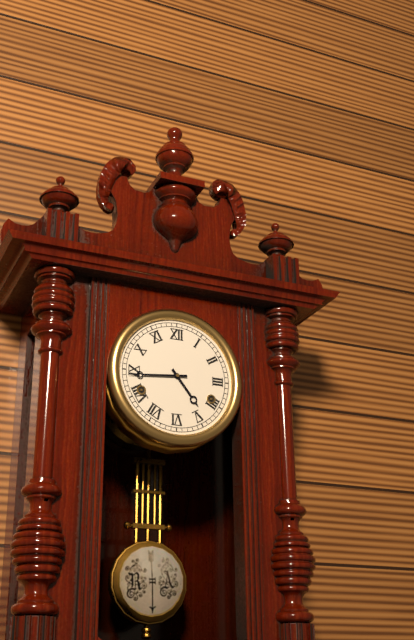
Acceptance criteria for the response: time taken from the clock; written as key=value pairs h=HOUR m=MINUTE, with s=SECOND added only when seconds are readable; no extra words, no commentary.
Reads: h=4 m=44
